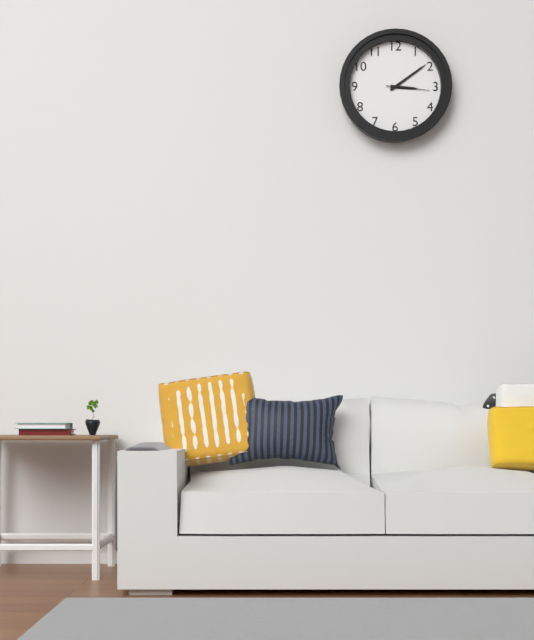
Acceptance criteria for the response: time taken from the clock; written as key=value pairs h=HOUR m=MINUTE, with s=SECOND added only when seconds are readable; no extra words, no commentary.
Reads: h=3 m=9
